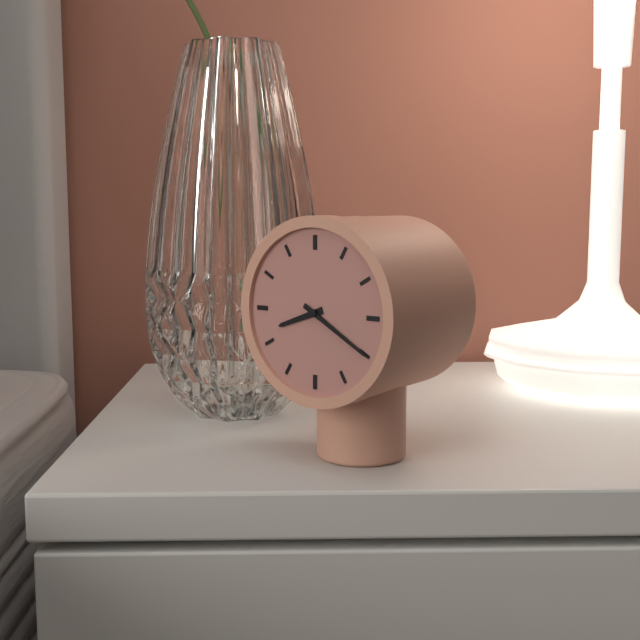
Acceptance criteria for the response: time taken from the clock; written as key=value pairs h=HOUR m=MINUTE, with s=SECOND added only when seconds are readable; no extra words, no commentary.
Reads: h=8 m=20
